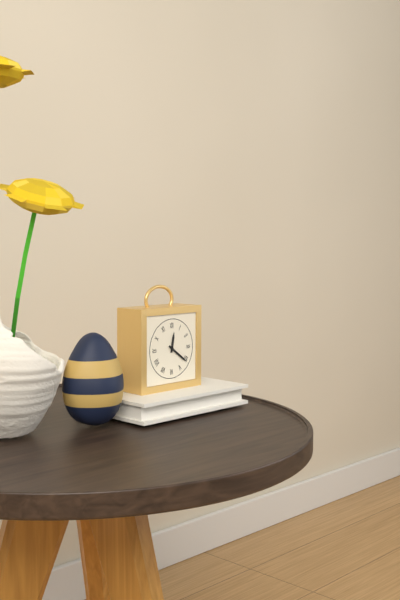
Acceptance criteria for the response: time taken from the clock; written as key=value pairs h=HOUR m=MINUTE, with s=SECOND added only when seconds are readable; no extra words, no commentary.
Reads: h=12 m=21
